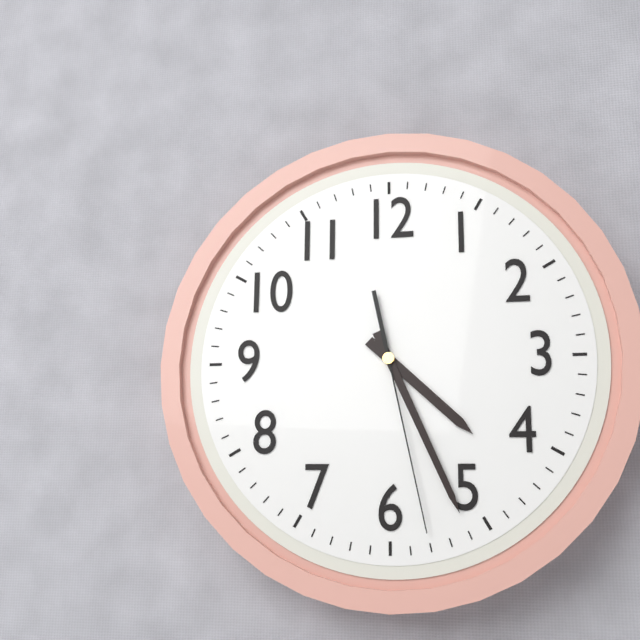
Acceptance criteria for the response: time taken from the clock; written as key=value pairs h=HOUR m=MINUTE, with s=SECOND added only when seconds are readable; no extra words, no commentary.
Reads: h=4 m=26 s=28
